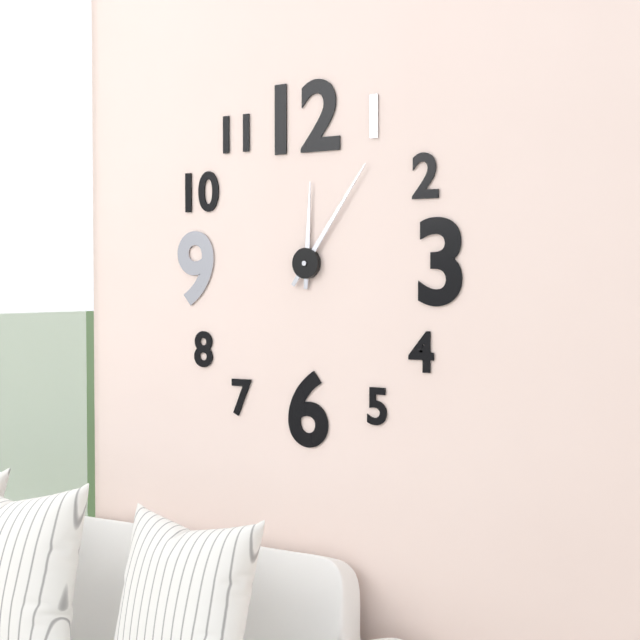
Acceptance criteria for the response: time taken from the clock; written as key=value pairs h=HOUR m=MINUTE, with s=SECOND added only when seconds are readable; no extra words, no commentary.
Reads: h=12 m=6
